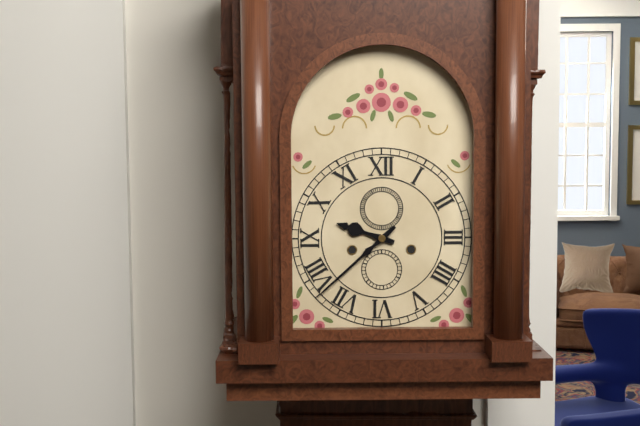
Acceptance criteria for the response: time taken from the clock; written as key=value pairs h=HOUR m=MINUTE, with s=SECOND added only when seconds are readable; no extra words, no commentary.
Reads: h=9 m=38
